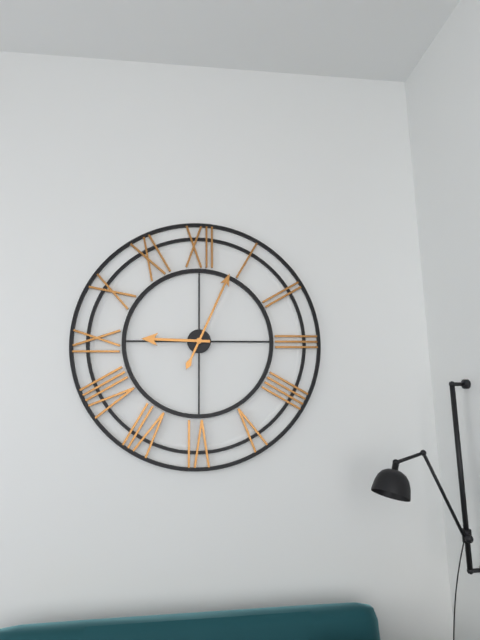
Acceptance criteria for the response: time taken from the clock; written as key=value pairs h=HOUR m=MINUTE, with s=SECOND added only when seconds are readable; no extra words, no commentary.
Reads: h=9 m=4
